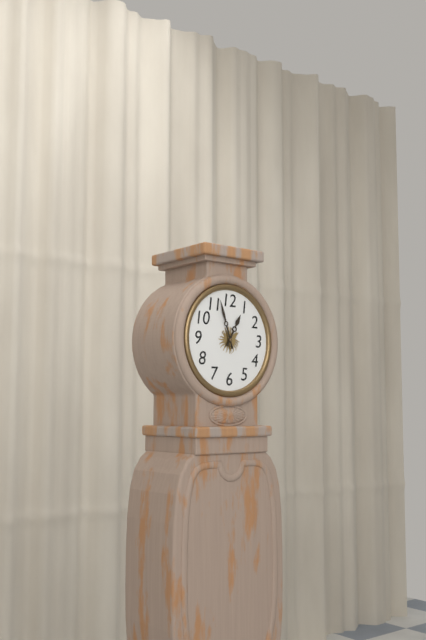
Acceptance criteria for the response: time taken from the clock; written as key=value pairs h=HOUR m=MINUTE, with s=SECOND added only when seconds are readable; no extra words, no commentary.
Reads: h=12 m=57
